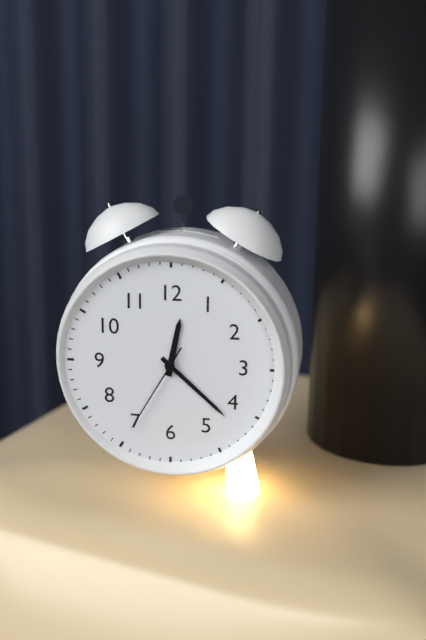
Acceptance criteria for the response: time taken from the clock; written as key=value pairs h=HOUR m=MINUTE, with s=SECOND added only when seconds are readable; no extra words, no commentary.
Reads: h=12 m=22 s=35
